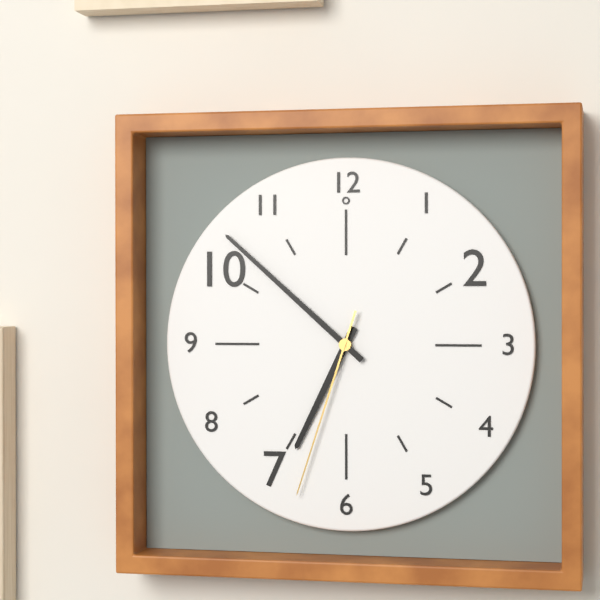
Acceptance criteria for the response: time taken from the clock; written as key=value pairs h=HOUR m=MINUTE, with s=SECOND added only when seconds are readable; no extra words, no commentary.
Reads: h=6 m=52 s=33
